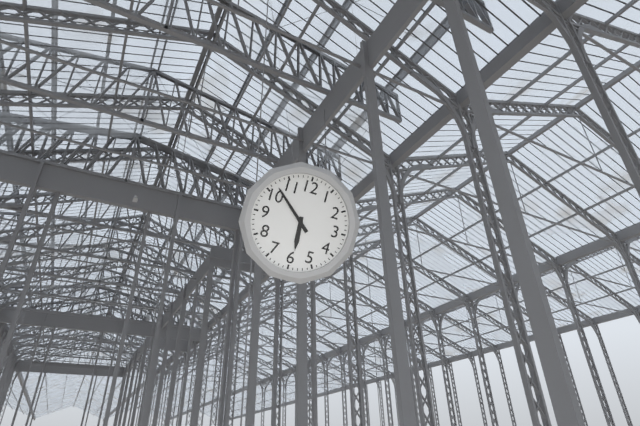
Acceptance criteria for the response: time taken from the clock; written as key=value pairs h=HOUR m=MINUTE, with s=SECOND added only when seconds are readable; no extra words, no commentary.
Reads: h=5 m=52
